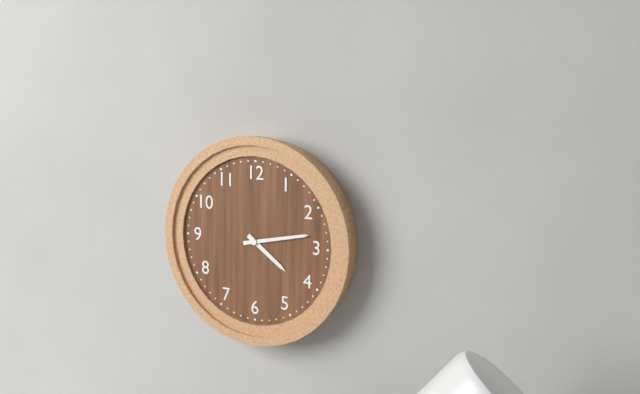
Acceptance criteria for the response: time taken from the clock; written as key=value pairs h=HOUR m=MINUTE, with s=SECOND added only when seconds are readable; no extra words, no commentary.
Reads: h=4 m=13
